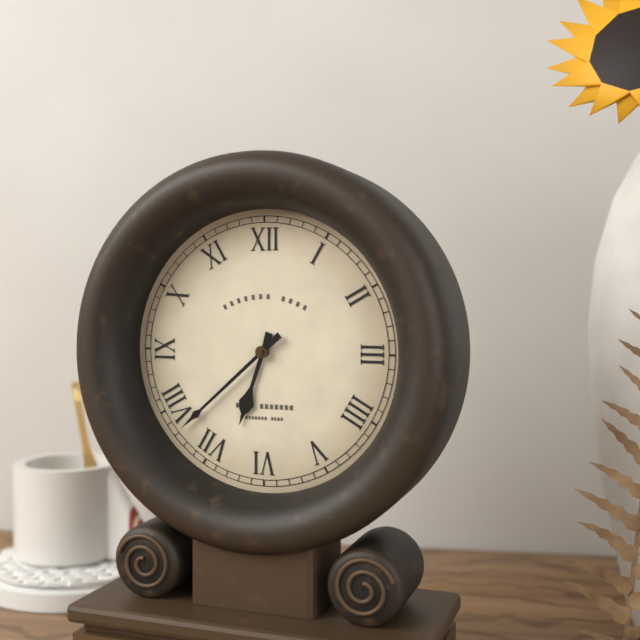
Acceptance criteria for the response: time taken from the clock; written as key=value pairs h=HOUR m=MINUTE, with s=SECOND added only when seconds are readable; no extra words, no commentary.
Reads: h=6 m=38
